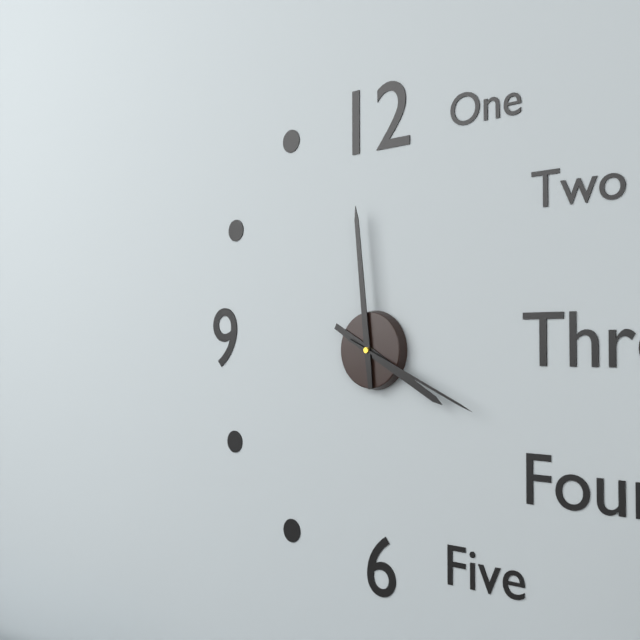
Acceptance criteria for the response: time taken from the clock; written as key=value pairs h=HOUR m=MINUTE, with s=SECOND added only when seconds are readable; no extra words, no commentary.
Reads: h=3 m=59 s=19
